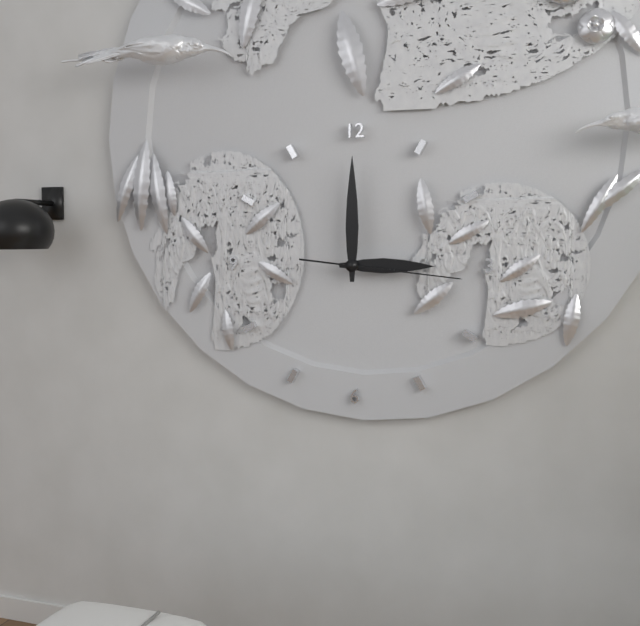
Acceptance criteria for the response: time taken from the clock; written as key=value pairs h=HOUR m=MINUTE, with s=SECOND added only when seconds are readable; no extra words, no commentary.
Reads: h=3 m=0 s=16
